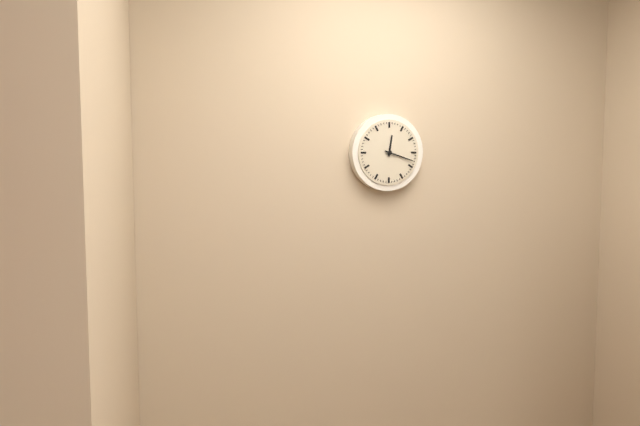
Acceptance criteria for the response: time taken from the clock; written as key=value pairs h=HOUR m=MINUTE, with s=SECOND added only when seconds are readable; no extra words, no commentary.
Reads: h=12 m=18
